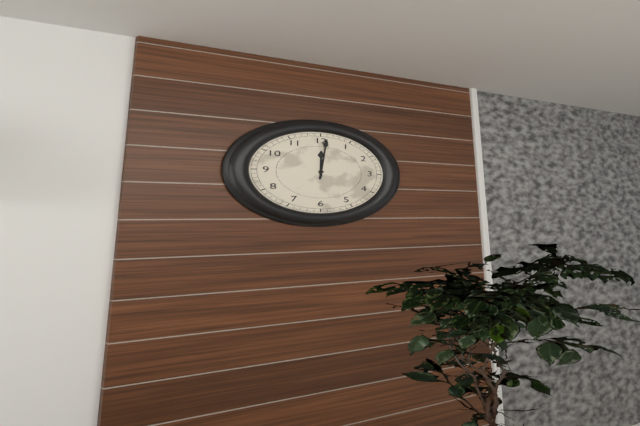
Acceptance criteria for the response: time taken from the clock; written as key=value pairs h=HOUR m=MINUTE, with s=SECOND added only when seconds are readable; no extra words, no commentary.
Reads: h=12 m=1
